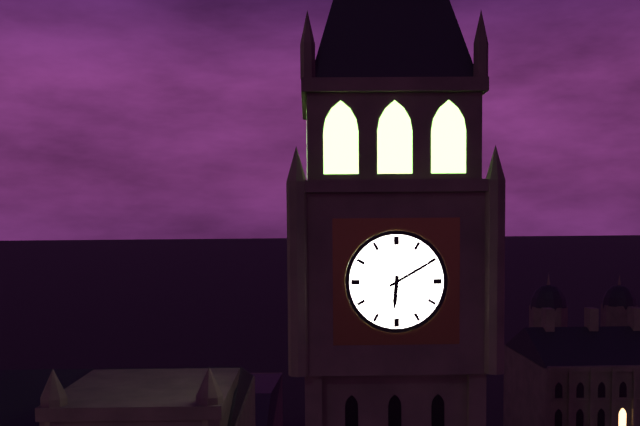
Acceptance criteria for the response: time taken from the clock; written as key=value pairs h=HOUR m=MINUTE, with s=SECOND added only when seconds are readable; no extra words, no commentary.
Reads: h=6 m=10
